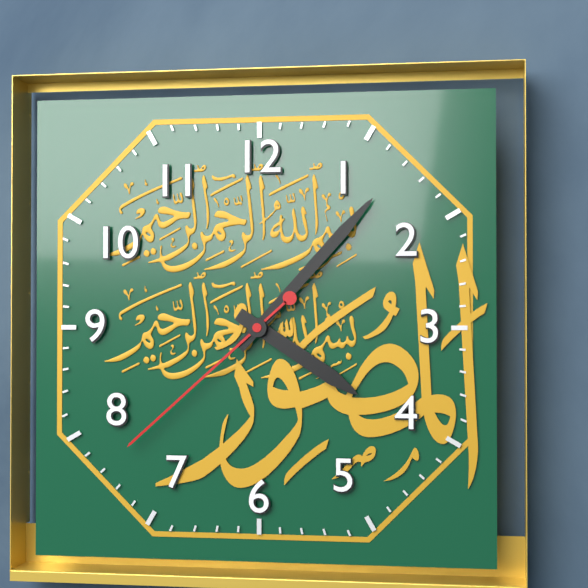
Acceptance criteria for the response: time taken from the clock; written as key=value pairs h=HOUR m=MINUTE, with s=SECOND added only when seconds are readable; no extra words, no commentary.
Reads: h=4 m=7 s=38
